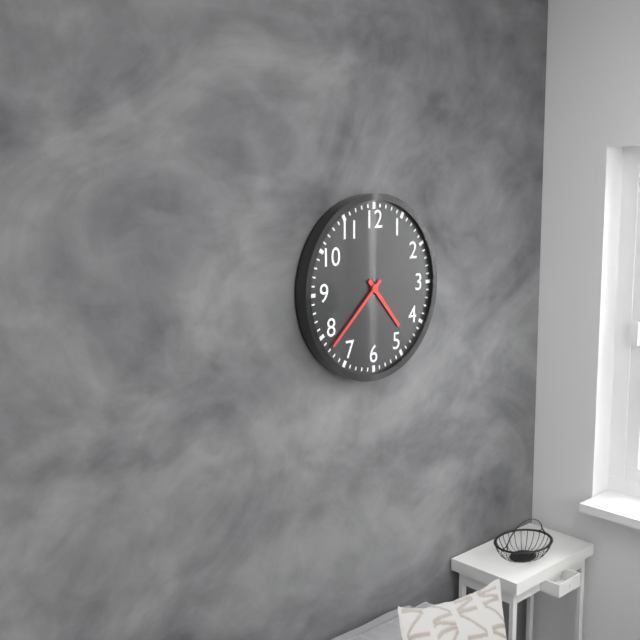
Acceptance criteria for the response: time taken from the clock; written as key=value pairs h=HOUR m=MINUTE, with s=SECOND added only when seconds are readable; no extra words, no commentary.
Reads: h=4 m=38
